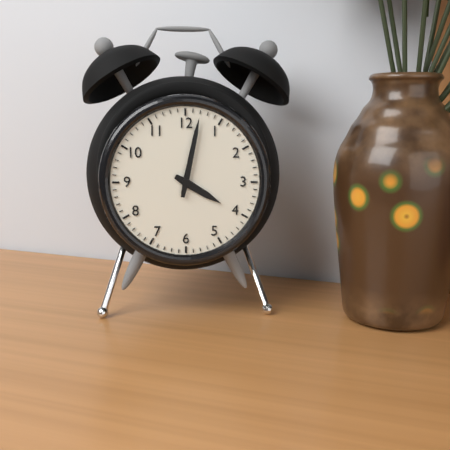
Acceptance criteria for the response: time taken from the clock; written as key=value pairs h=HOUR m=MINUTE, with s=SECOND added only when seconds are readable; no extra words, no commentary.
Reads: h=4 m=2
